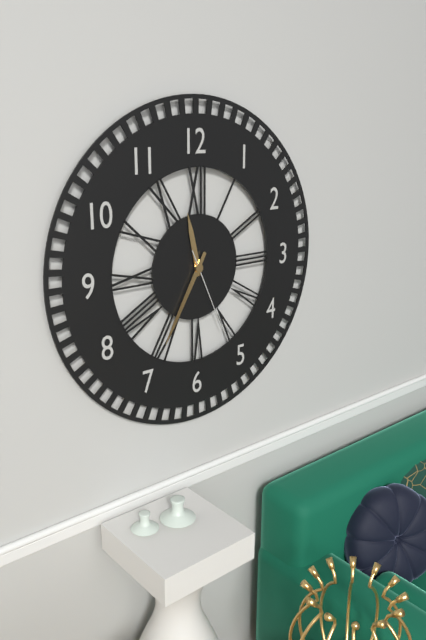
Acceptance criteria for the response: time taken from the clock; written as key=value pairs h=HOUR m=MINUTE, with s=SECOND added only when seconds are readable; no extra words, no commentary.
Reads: h=11 m=35 s=26
